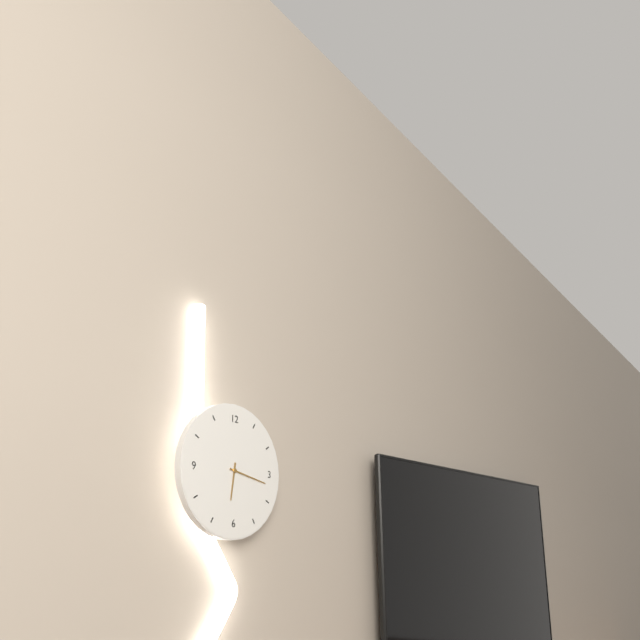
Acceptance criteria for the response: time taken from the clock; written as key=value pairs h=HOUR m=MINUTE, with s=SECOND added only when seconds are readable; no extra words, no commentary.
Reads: h=6 m=17
